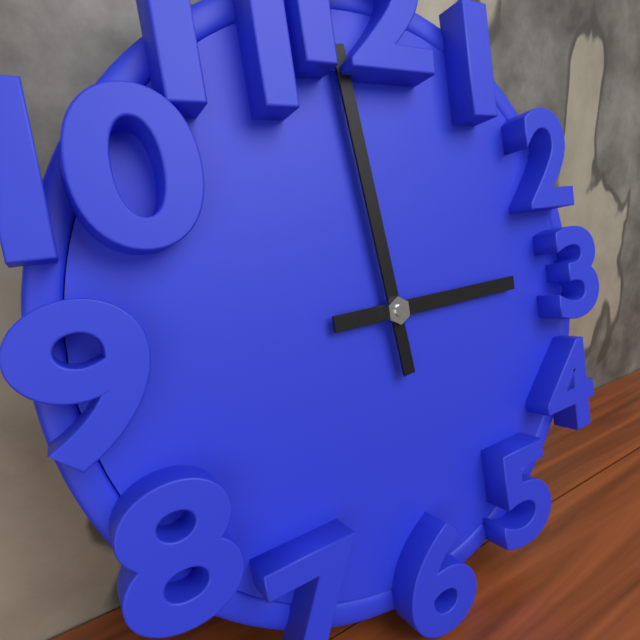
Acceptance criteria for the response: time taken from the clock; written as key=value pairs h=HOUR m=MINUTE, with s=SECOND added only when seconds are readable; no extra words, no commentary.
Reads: h=2 m=59
